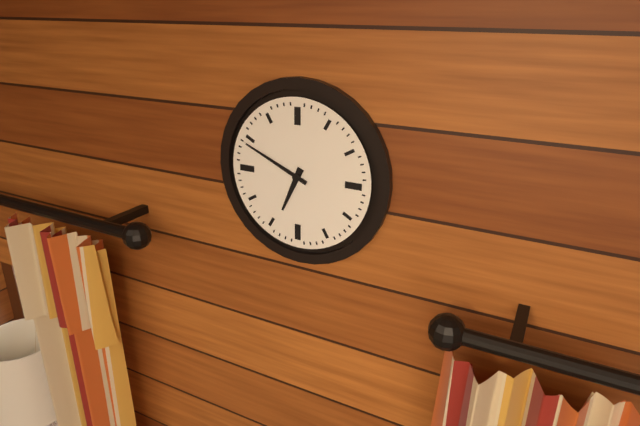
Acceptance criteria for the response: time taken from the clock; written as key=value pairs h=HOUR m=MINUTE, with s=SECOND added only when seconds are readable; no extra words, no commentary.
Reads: h=6 m=49
